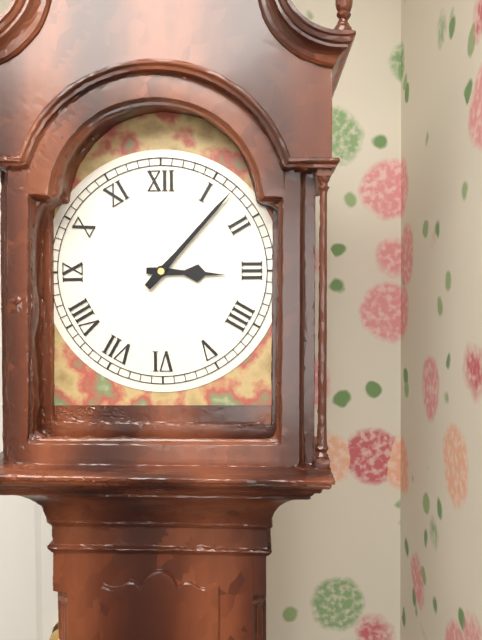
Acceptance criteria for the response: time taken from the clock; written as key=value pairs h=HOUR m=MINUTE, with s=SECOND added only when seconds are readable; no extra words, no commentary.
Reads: h=3 m=7
